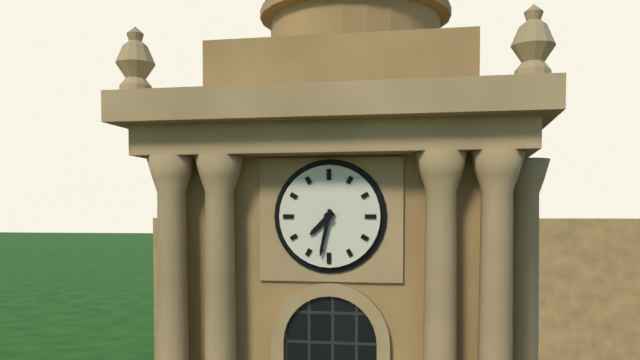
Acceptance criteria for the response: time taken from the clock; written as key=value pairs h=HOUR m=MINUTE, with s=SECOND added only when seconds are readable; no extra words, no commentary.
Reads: h=7 m=32
